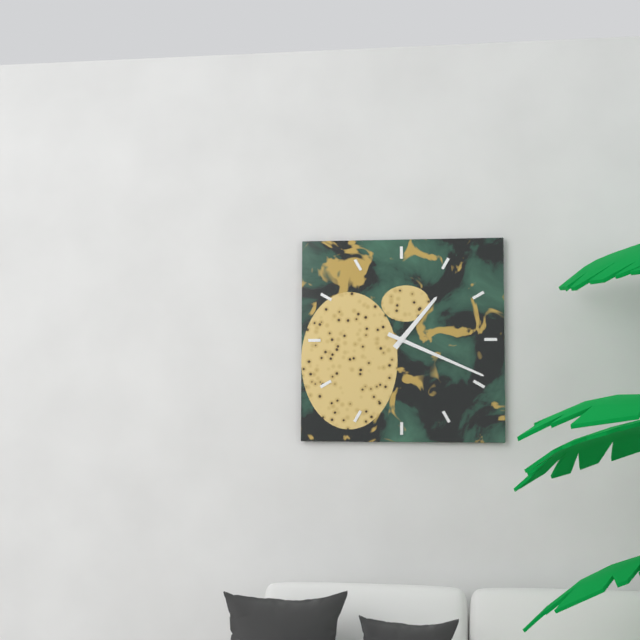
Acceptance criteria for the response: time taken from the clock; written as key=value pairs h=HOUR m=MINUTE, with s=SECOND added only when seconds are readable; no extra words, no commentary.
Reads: h=1 m=19
